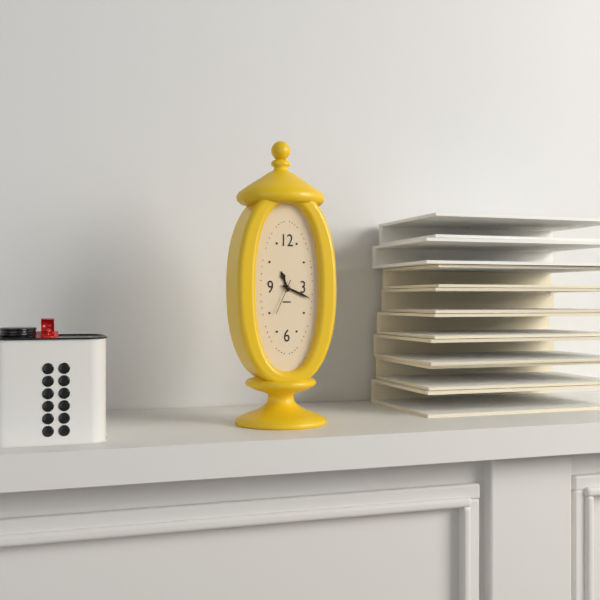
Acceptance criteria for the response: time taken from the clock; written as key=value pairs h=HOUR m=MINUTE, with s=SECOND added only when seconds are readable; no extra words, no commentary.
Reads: h=11 m=19
